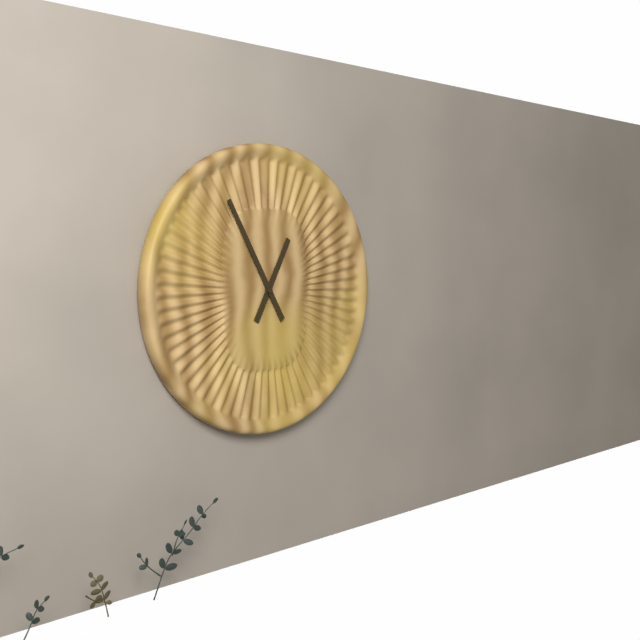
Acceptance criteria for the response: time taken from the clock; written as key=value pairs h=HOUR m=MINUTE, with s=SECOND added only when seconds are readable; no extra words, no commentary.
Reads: h=12 m=55
